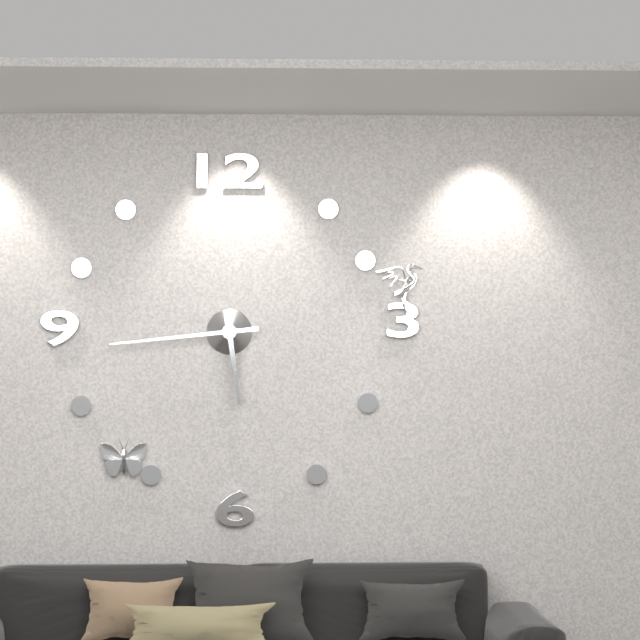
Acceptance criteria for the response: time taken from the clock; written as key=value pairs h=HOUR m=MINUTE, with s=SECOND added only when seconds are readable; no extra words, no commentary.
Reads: h=5 m=44
